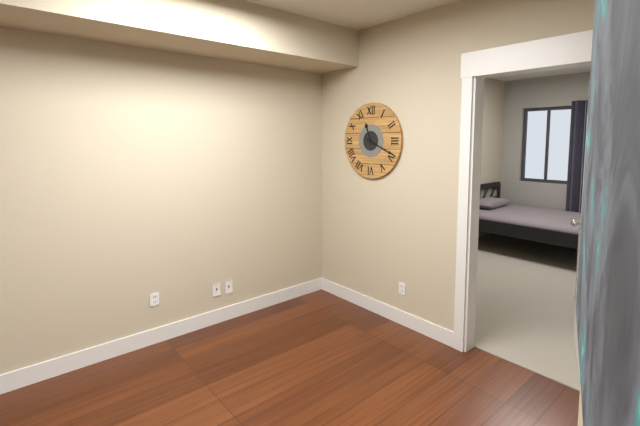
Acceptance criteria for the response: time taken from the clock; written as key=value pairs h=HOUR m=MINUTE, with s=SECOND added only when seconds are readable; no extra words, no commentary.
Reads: h=11 m=19
